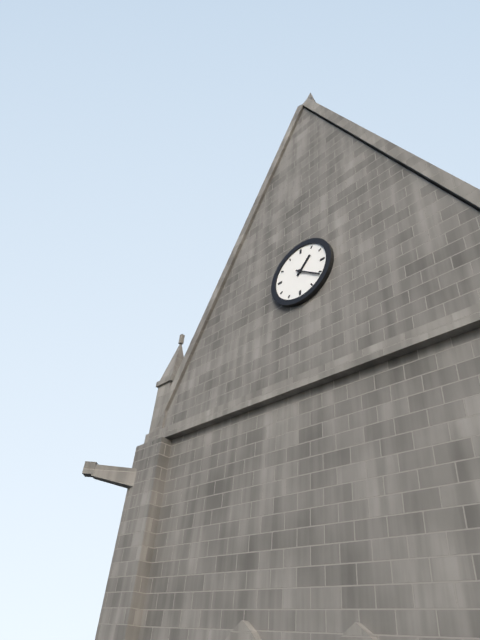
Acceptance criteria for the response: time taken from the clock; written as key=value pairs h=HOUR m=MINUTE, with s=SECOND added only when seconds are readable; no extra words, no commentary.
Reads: h=1 m=21
